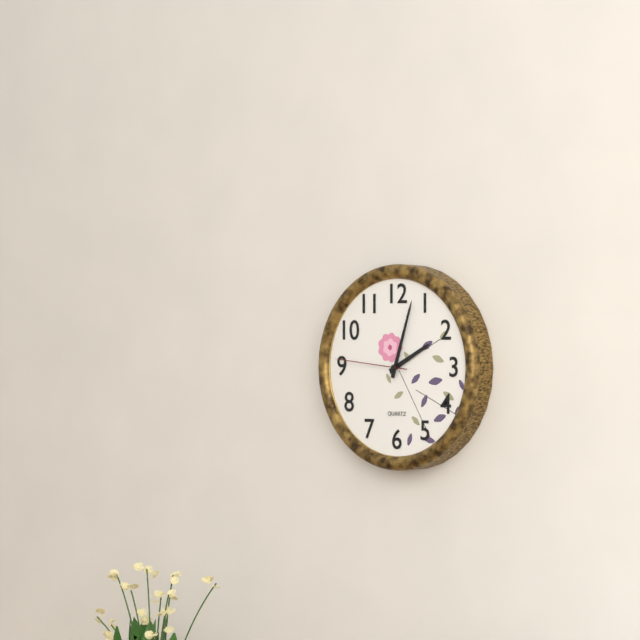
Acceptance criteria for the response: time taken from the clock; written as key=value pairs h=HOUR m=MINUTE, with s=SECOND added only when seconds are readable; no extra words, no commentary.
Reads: h=2 m=3 s=46
